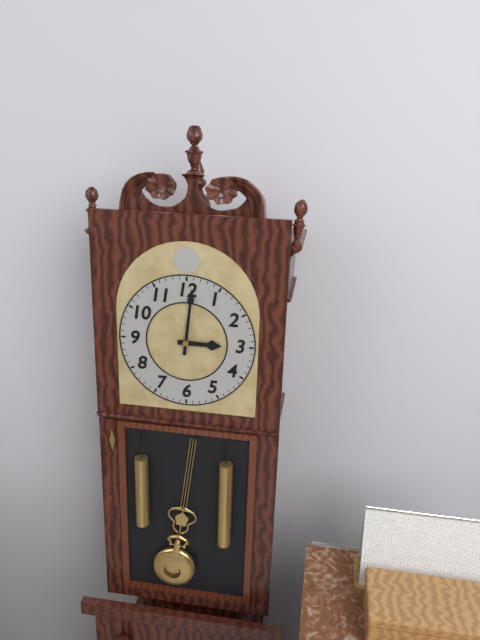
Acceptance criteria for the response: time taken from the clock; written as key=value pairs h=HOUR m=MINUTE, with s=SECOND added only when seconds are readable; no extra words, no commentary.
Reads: h=3 m=1
